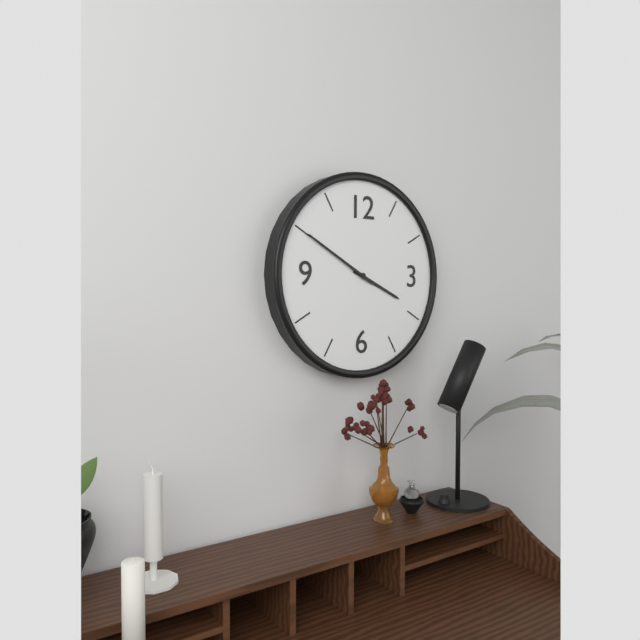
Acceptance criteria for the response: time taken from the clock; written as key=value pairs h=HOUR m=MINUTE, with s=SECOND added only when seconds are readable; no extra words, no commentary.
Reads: h=3 m=50
